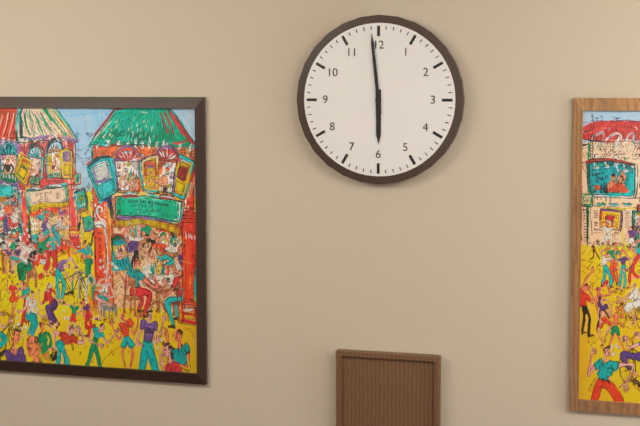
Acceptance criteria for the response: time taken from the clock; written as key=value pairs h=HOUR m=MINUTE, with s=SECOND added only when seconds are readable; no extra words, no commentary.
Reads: h=5 m=59
